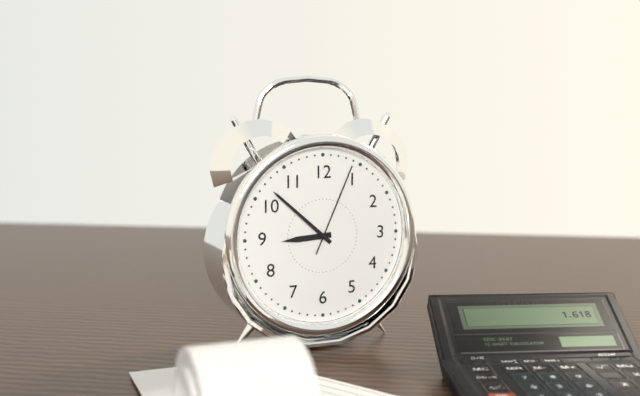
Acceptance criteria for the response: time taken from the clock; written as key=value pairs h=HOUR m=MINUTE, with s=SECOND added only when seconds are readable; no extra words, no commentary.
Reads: h=8 m=52 s=4
